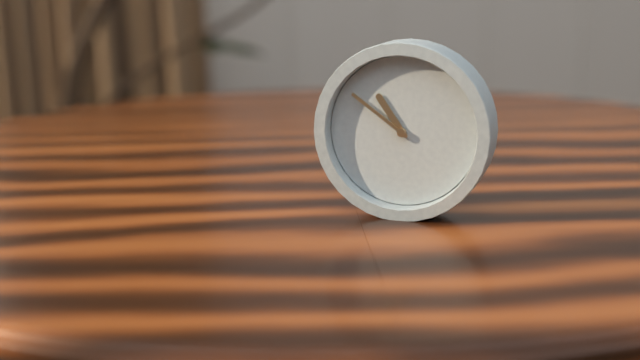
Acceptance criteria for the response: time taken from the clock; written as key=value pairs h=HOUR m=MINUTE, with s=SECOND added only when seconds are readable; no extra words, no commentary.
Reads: h=10 m=51
